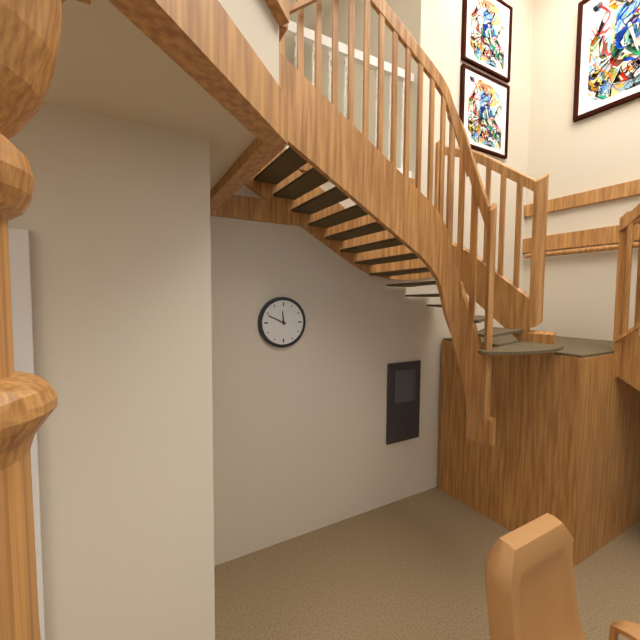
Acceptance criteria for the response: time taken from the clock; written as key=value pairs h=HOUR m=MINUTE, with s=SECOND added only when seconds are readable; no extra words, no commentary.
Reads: h=11 m=49
